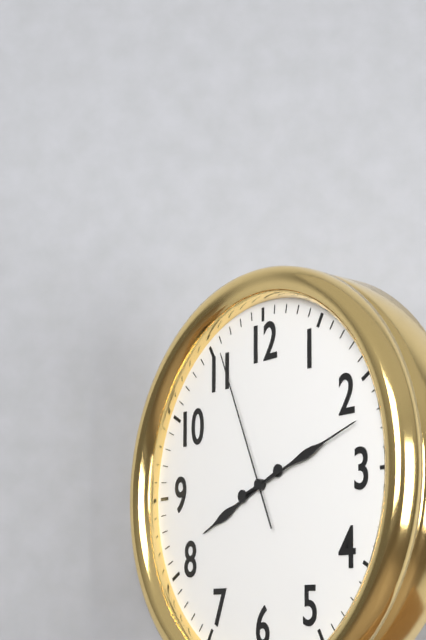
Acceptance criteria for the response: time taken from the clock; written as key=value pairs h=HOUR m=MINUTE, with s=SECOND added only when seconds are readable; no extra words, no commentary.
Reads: h=8 m=12 s=56
